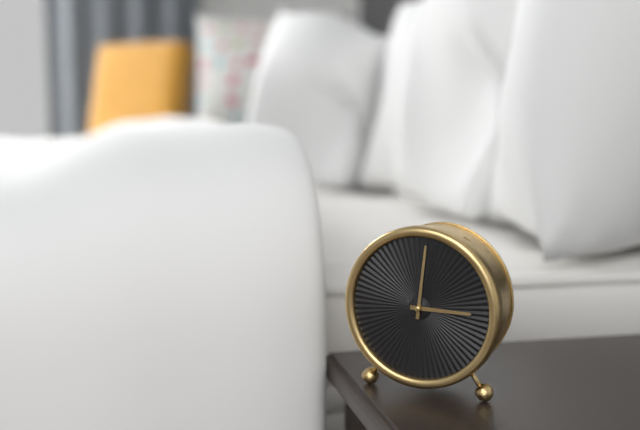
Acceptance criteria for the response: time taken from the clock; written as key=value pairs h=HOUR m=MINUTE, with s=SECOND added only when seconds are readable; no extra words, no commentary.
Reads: h=3 m=1
